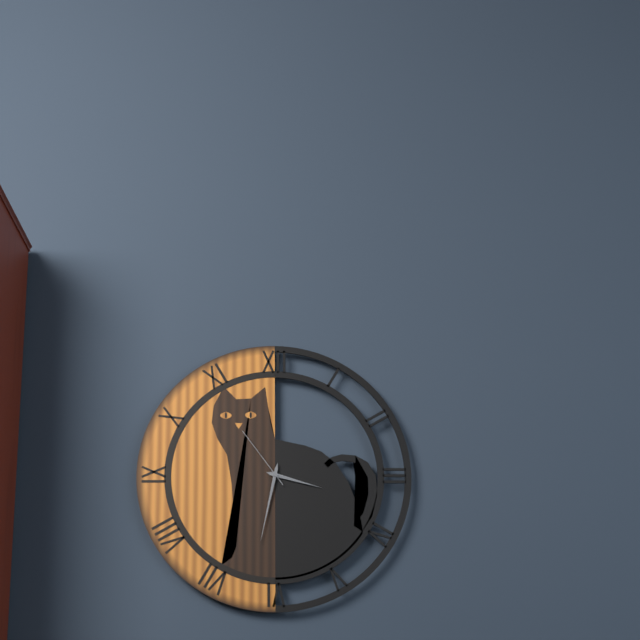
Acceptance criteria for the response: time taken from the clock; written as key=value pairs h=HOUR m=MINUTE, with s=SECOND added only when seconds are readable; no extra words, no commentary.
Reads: h=3 m=32 s=54
